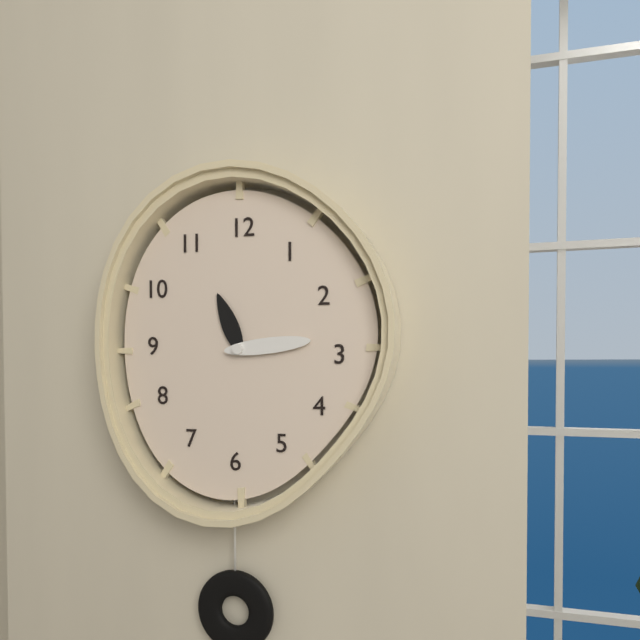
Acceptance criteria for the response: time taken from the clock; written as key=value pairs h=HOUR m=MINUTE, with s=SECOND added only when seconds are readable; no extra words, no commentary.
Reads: h=11 m=14
